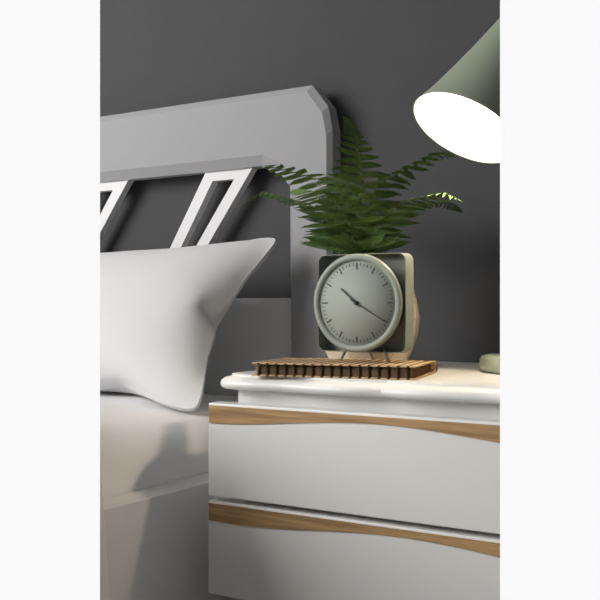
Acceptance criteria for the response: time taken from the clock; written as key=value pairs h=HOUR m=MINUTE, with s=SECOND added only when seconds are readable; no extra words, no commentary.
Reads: h=10 m=20
